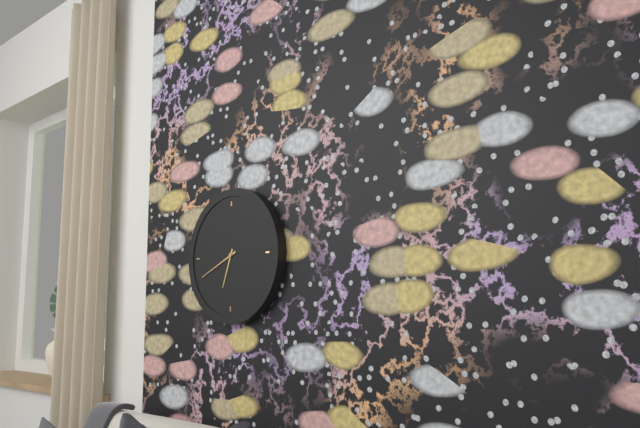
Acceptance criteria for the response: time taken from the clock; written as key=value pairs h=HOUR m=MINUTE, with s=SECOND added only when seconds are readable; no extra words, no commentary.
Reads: h=6 m=41
